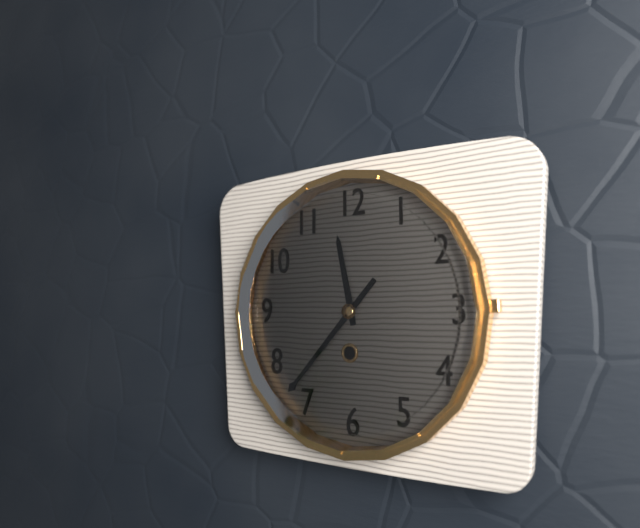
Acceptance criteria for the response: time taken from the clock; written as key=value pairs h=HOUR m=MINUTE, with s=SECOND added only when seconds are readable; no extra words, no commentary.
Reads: h=11 m=37
